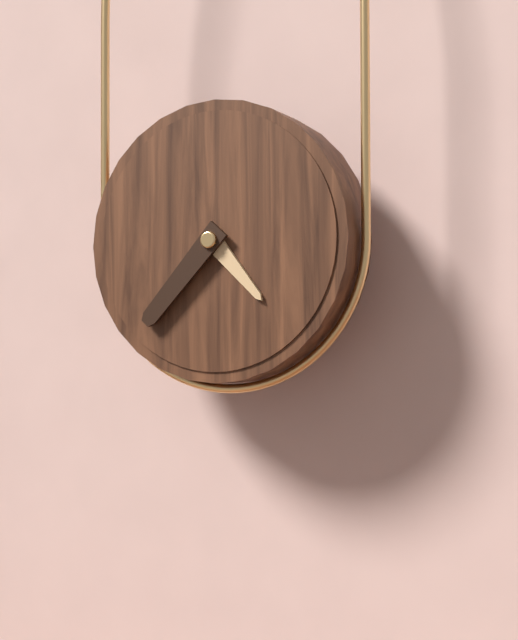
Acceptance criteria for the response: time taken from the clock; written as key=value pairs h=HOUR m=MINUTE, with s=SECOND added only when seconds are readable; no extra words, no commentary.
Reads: h=4 m=37
